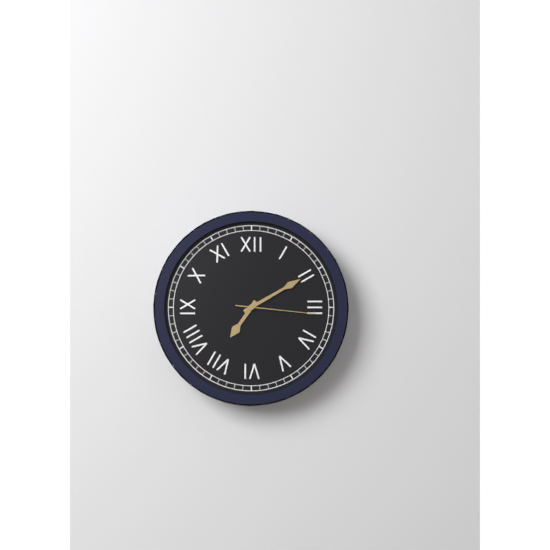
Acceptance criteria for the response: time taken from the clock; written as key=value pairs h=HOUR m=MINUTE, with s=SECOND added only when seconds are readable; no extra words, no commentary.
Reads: h=7 m=10 s=16
